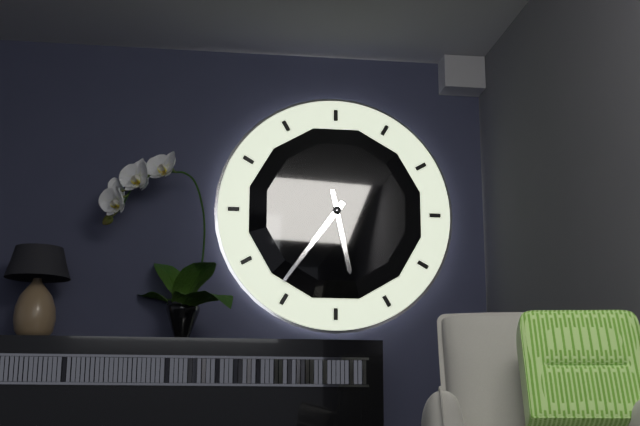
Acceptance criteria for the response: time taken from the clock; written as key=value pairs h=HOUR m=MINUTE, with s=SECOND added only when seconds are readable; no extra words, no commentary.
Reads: h=5 m=36
